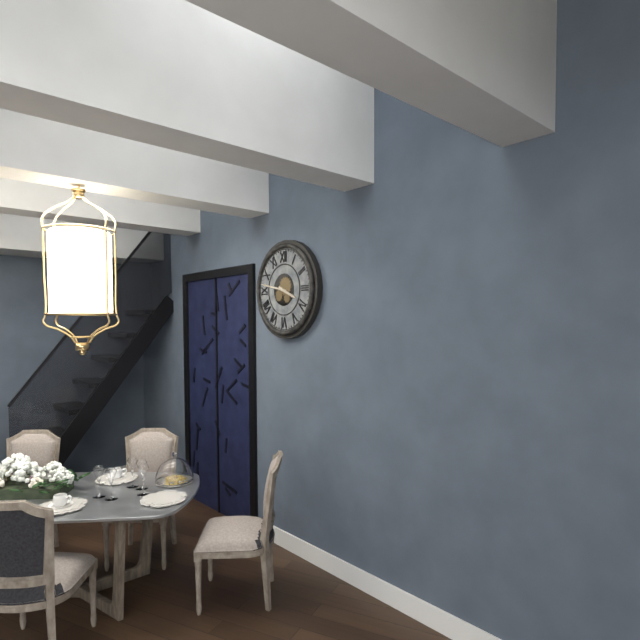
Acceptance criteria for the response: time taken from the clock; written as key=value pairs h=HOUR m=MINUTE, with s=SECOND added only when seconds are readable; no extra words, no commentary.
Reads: h=3 m=47
